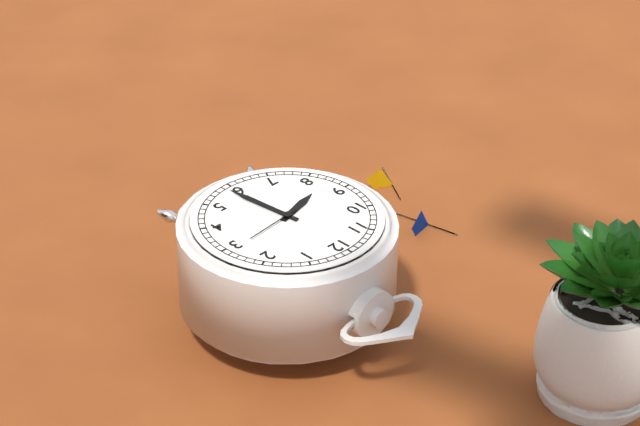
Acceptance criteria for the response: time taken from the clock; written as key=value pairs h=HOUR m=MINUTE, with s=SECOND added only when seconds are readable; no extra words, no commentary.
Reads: h=8 m=29 s=14
